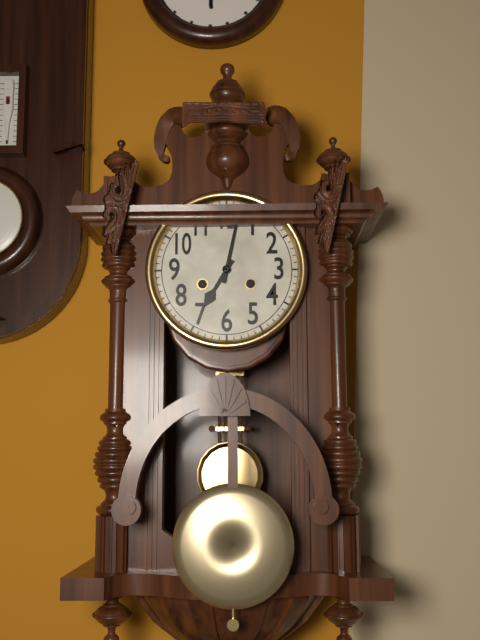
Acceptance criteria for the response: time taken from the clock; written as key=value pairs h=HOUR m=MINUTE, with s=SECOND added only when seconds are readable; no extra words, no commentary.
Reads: h=7 m=2
